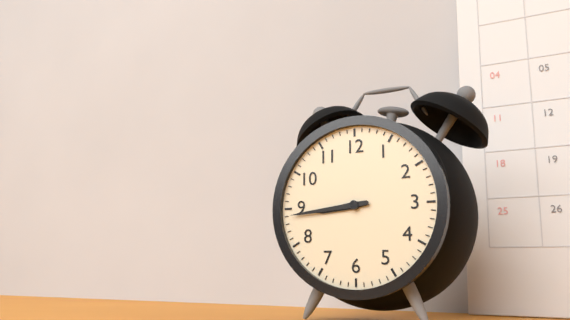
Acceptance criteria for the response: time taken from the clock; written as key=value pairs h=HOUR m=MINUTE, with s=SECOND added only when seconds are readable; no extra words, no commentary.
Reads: h=8 m=44
